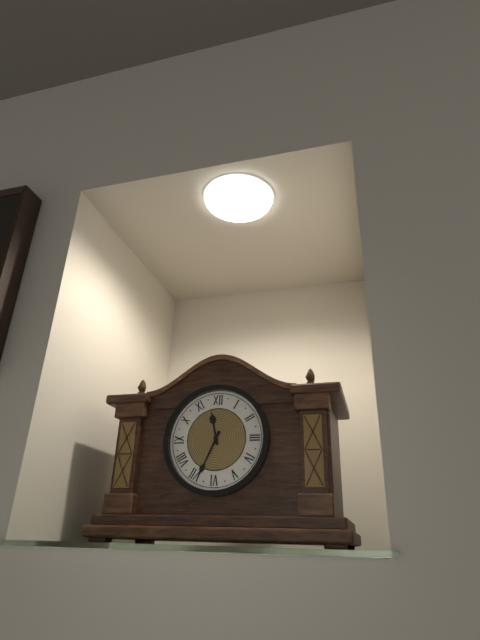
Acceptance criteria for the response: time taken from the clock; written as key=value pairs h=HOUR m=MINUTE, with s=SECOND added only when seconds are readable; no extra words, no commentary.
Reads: h=11 m=34
